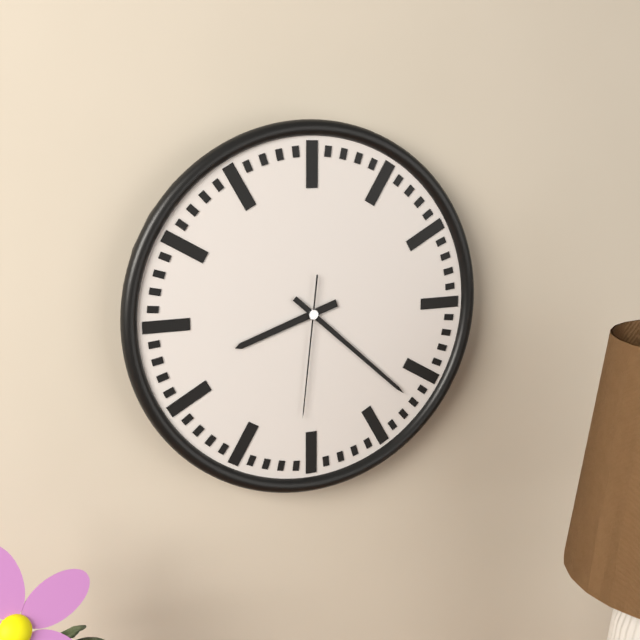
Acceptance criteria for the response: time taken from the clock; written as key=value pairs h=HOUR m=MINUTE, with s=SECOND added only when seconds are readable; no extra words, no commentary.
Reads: h=8 m=22 s=31
